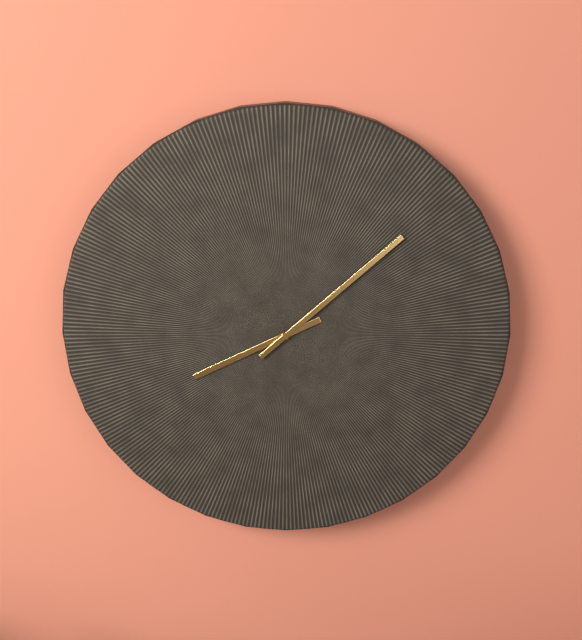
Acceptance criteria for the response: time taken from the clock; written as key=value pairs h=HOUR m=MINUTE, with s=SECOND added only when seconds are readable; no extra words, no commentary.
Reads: h=8 m=8
